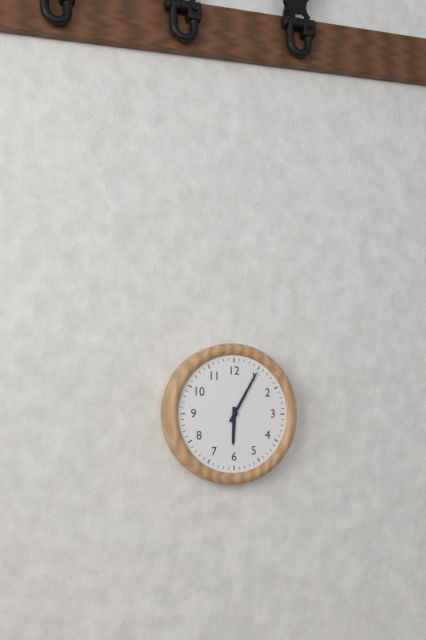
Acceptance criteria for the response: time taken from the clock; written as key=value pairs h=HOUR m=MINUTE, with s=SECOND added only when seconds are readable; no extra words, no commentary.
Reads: h=6 m=5
